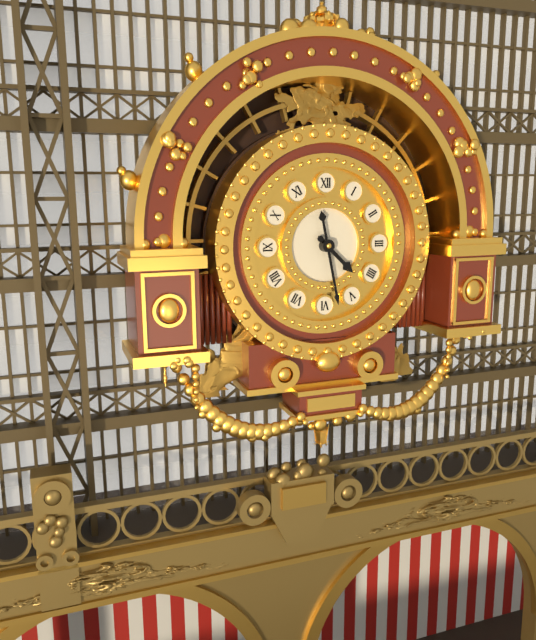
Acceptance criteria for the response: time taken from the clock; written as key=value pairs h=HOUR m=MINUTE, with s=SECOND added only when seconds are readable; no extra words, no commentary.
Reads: h=4 m=28
